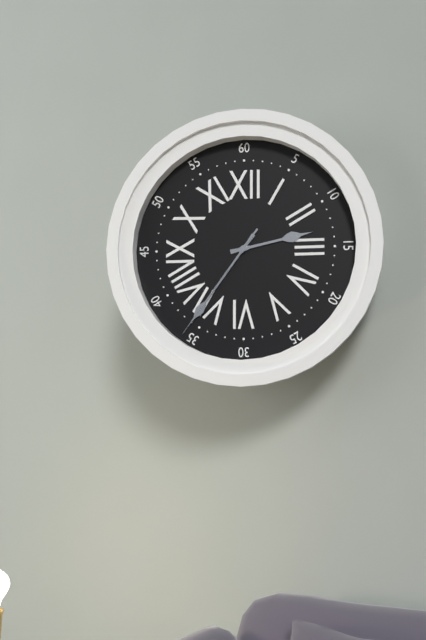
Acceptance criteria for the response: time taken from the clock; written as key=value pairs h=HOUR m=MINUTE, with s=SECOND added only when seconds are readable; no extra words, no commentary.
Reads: h=2 m=36 s=36
